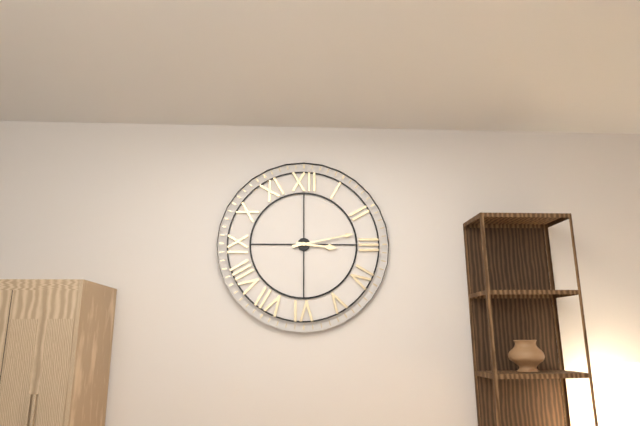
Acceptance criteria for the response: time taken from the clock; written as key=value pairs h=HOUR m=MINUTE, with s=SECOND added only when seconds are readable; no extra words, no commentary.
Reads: h=3 m=13
